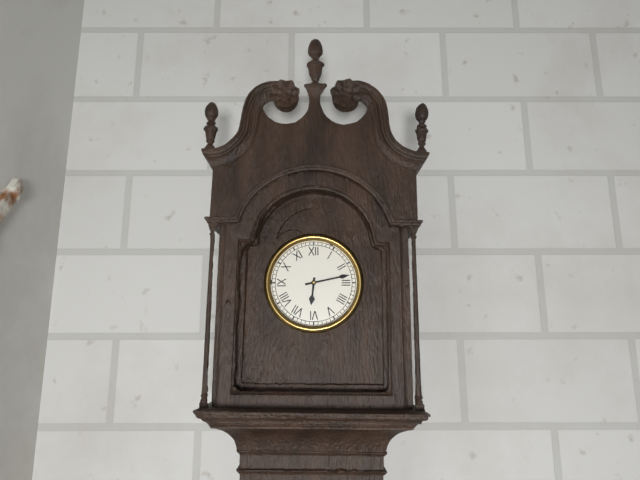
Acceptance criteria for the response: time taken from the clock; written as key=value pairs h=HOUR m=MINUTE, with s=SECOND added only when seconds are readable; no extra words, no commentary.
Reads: h=6 m=13
